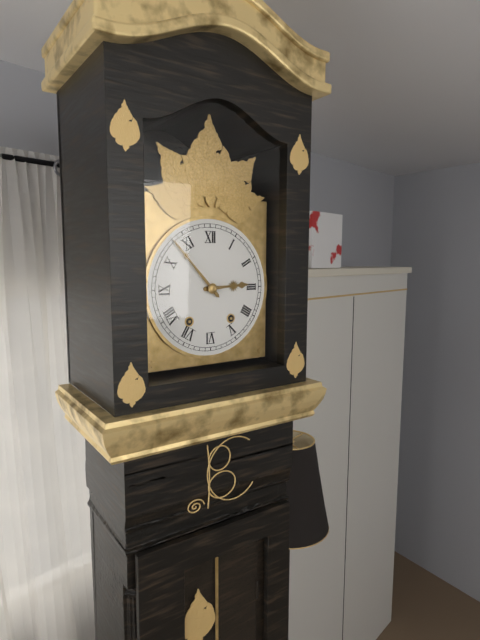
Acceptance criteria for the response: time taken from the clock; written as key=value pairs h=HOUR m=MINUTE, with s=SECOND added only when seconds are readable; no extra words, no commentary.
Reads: h=2 m=53
